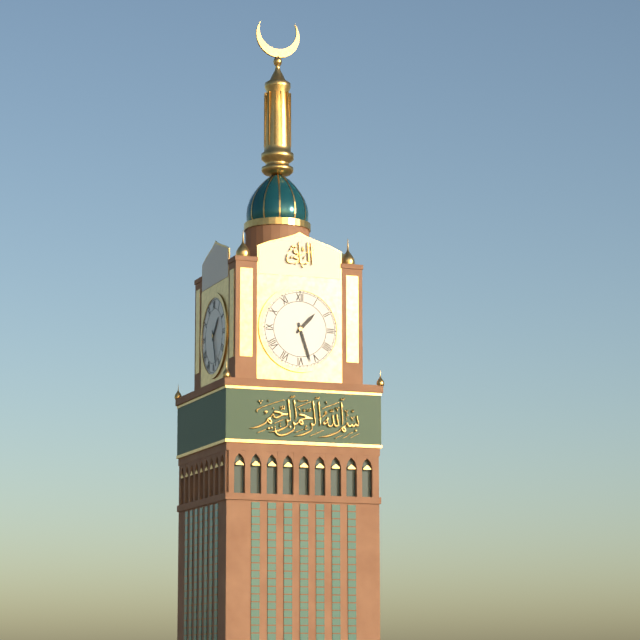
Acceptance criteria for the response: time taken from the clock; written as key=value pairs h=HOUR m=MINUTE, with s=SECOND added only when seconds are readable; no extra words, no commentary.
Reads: h=1 m=27
